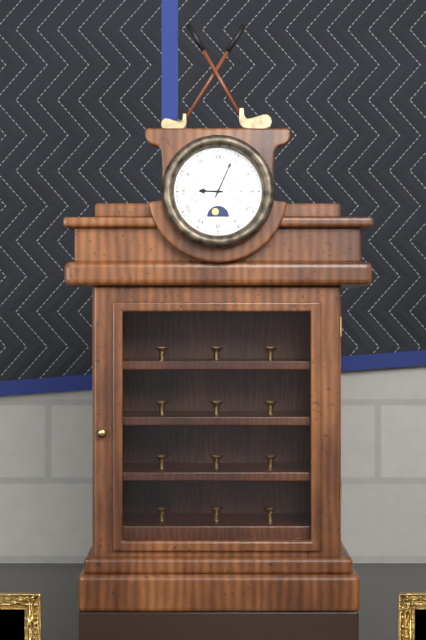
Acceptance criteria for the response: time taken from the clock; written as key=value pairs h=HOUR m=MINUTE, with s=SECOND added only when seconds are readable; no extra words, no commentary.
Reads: h=9 m=4
